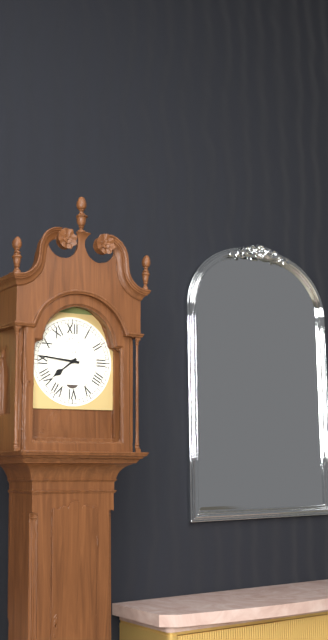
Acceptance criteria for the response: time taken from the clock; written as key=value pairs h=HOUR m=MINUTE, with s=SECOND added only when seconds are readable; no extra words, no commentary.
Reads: h=7 m=46
